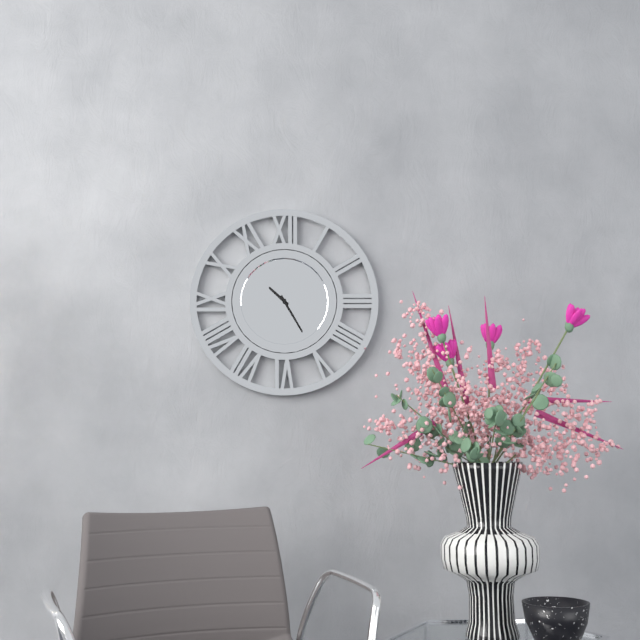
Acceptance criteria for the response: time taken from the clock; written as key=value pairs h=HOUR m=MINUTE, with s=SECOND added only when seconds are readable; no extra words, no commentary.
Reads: h=10 m=25
